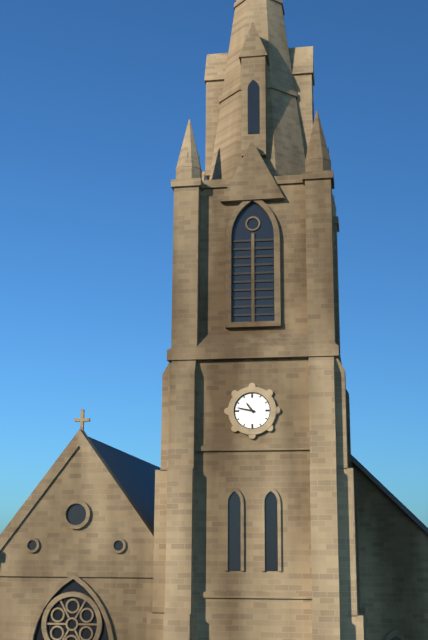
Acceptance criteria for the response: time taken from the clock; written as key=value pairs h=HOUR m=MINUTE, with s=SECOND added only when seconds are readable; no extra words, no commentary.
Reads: h=10 m=47
